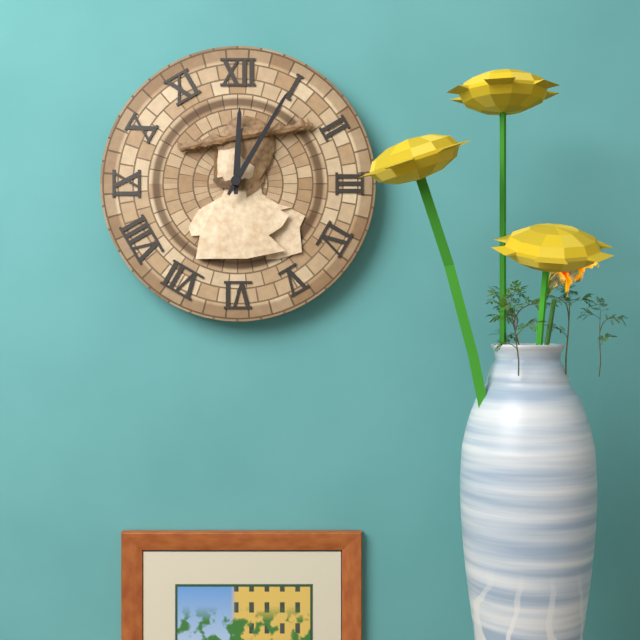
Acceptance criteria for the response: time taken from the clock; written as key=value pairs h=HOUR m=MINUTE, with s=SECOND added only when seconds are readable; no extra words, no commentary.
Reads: h=12 m=5
